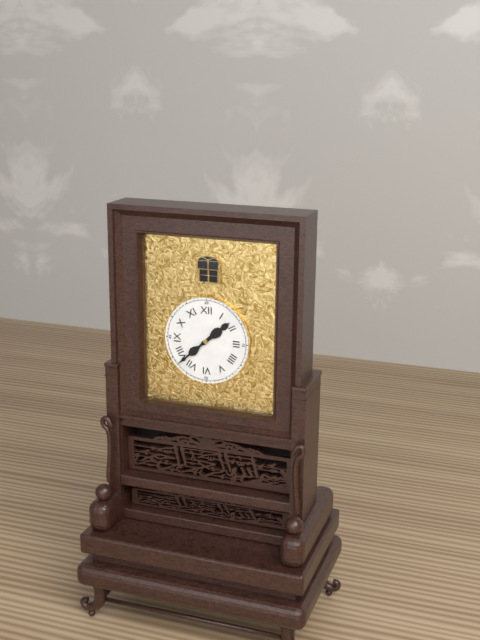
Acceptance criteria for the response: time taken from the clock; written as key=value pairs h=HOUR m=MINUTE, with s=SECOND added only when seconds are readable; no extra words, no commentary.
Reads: h=1 m=38
